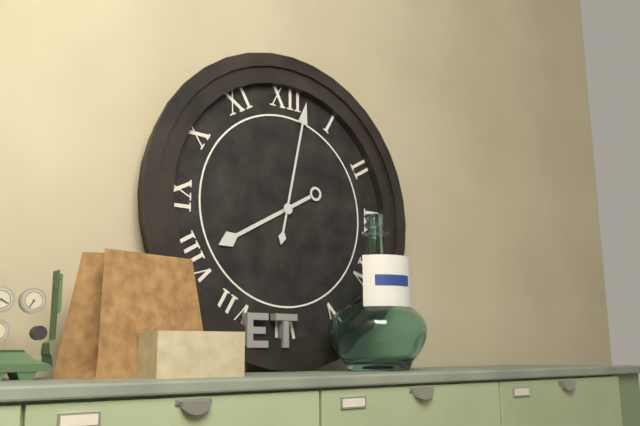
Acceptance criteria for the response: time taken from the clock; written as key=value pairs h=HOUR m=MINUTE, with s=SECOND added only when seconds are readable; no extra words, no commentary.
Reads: h=8 m=2
